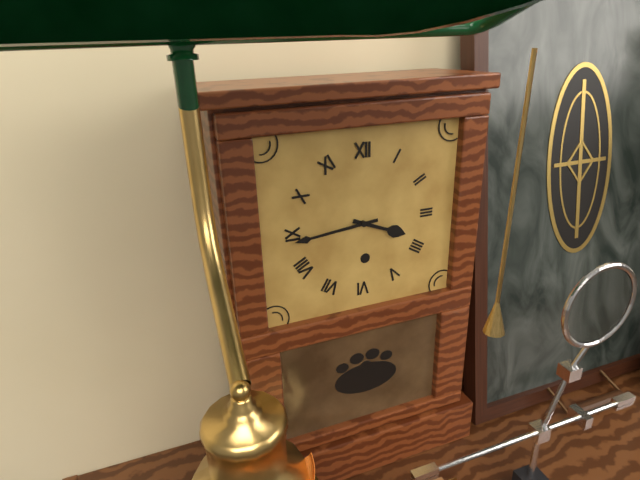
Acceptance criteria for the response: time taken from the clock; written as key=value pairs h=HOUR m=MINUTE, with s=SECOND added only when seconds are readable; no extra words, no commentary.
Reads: h=3 m=44
